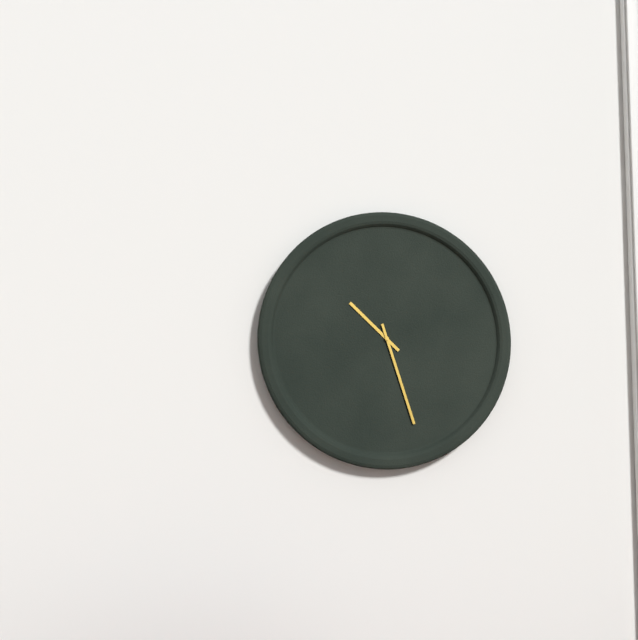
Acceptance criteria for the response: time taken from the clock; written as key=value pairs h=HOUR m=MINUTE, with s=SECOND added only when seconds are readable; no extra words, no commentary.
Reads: h=10 m=27
